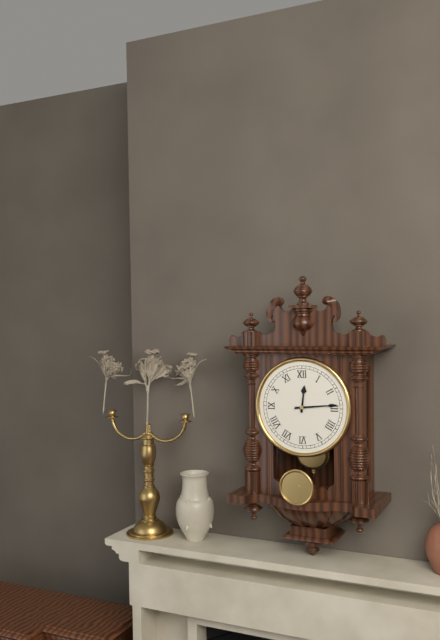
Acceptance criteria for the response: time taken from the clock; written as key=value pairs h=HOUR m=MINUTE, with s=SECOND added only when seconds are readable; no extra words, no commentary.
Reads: h=12 m=14
